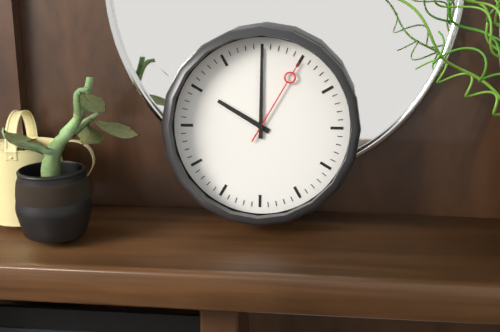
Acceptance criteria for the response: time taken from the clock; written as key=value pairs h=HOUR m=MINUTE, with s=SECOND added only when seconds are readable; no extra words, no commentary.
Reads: h=10 m=0 s=5
